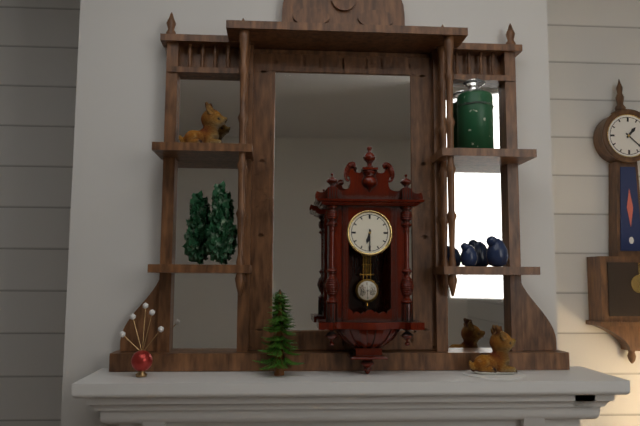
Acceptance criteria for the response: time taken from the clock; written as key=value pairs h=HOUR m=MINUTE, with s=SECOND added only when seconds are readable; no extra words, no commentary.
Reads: h=6 m=30
